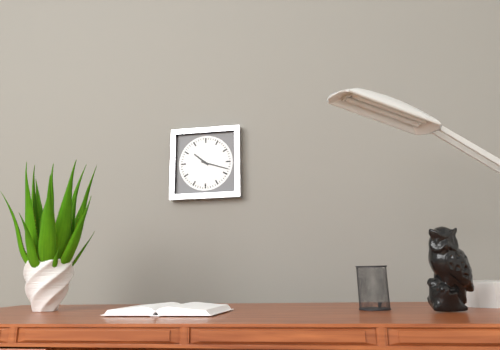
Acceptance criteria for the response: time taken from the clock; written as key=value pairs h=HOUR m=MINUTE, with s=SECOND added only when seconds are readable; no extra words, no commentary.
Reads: h=10 m=18
